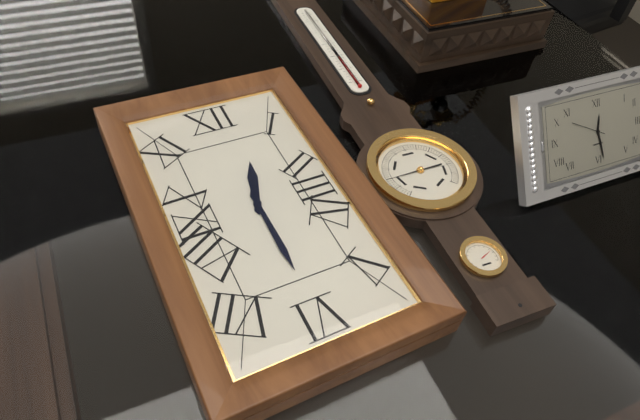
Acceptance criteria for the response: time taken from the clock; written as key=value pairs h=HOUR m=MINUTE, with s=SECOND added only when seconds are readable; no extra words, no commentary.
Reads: h=12 m=30
